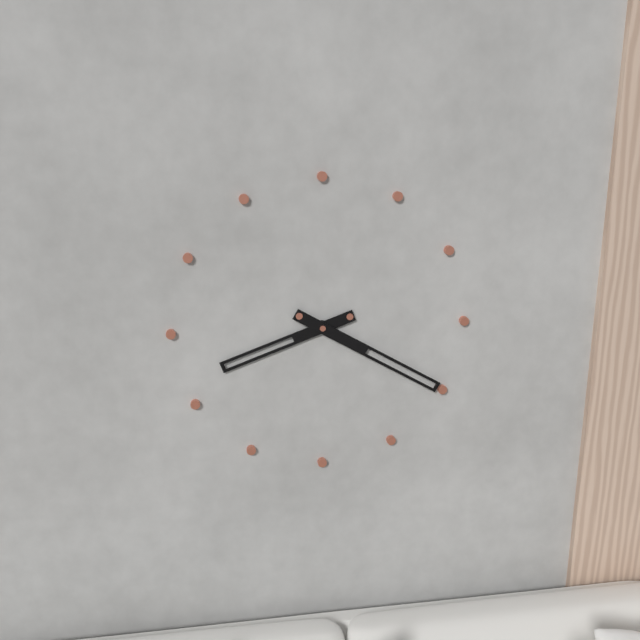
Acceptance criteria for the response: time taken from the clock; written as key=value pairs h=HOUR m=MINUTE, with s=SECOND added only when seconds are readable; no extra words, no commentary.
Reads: h=8 m=20
